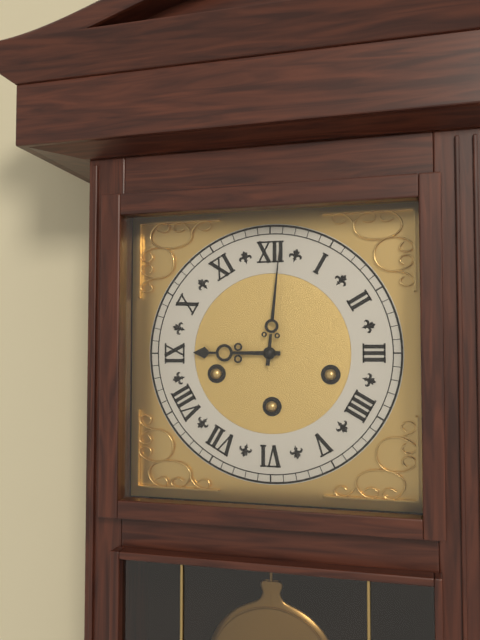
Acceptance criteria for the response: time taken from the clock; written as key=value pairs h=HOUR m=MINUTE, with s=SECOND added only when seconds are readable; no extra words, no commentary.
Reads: h=9 m=1
